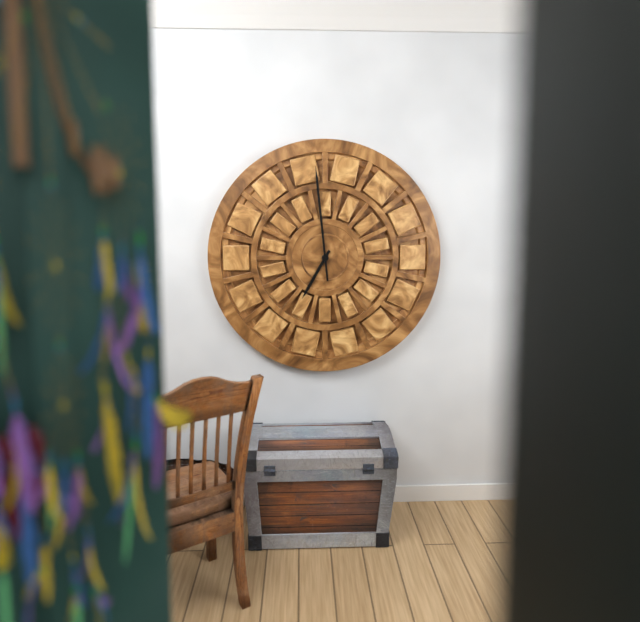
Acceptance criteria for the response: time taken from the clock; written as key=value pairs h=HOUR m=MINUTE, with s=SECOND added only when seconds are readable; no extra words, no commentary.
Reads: h=6 m=59
